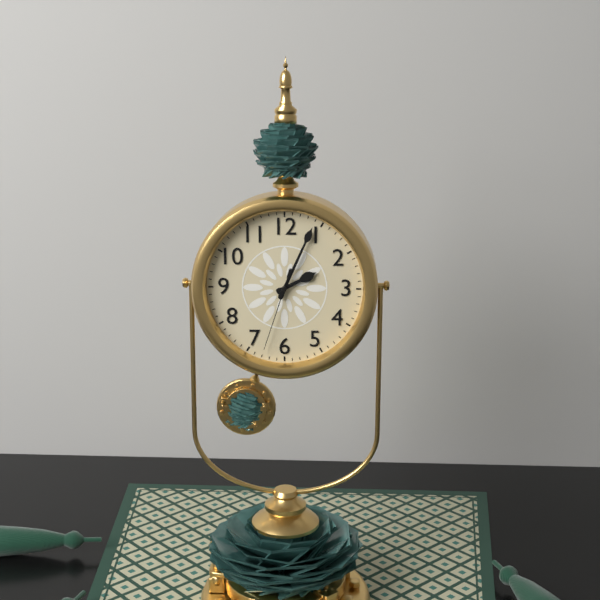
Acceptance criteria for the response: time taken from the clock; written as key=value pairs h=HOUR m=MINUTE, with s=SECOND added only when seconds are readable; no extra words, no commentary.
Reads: h=2 m=4 s=33
